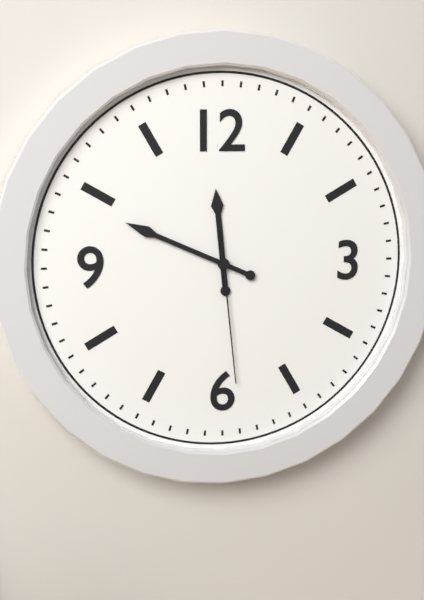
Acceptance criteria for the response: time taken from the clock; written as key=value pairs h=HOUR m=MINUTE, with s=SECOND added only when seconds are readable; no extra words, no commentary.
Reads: h=11 m=49 s=29
